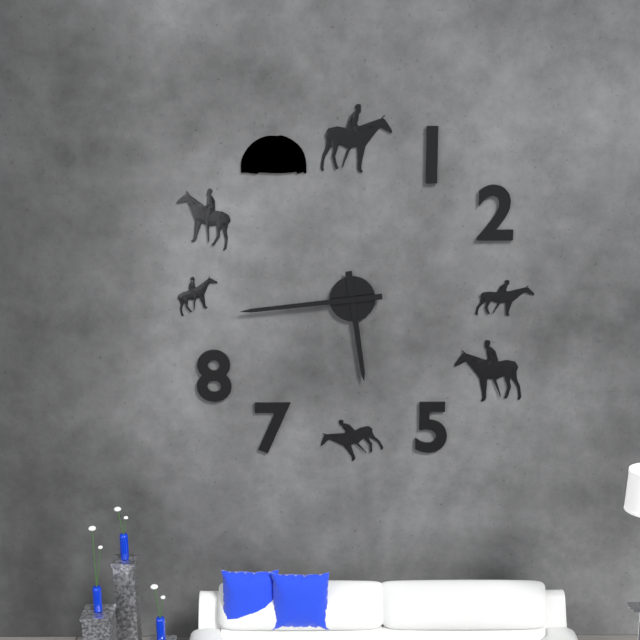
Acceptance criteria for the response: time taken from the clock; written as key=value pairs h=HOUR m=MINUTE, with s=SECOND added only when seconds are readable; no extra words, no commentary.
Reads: h=5 m=44
